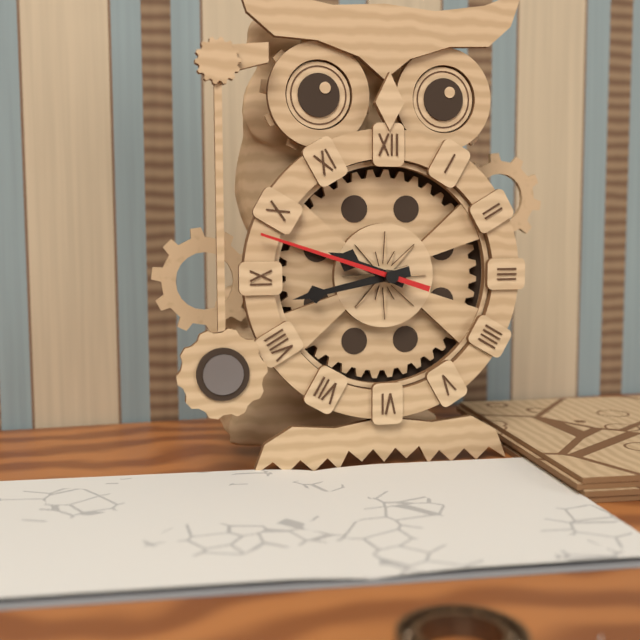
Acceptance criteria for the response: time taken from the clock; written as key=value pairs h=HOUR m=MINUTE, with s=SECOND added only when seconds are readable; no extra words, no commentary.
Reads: h=9 m=43 s=48
